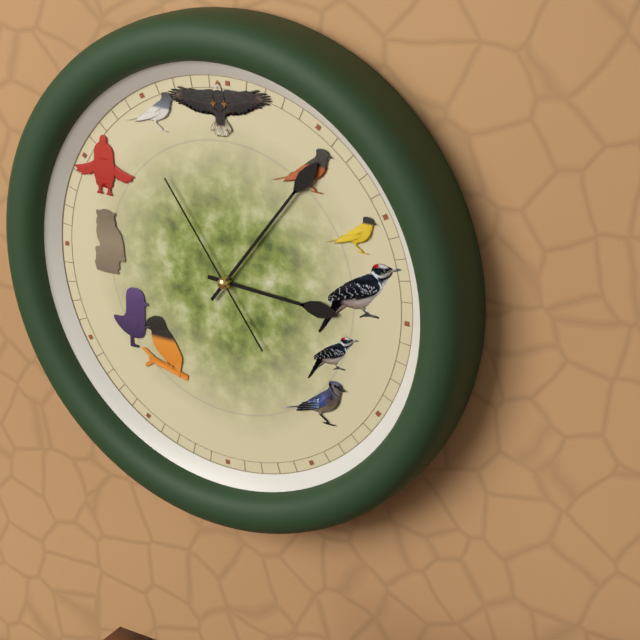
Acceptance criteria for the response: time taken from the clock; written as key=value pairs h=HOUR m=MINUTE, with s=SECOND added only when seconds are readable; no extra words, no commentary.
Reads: h=3 m=6 s=54
